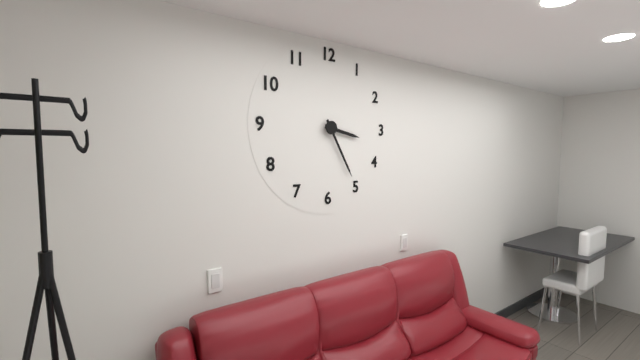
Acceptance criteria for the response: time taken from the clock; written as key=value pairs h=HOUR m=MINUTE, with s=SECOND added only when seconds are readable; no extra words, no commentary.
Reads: h=3 m=25
